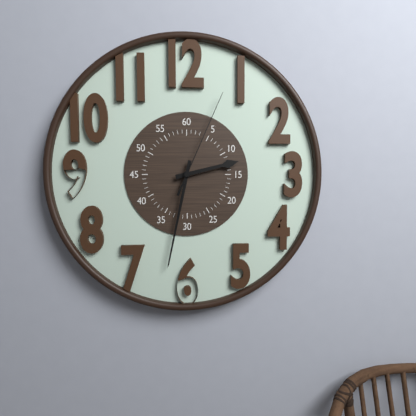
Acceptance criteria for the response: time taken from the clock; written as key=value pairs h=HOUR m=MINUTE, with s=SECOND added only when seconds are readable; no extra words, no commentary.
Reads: h=2 m=32 s=4
